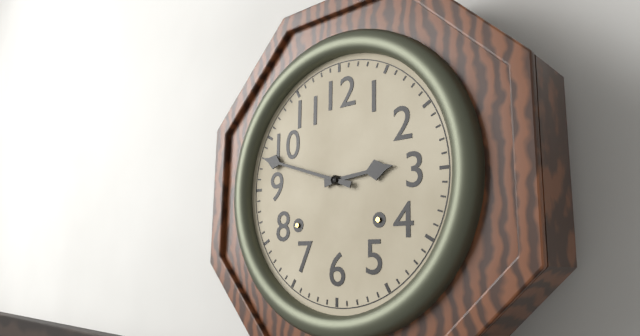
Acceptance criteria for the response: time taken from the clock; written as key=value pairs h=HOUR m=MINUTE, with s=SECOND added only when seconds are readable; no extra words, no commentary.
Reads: h=2 m=48
